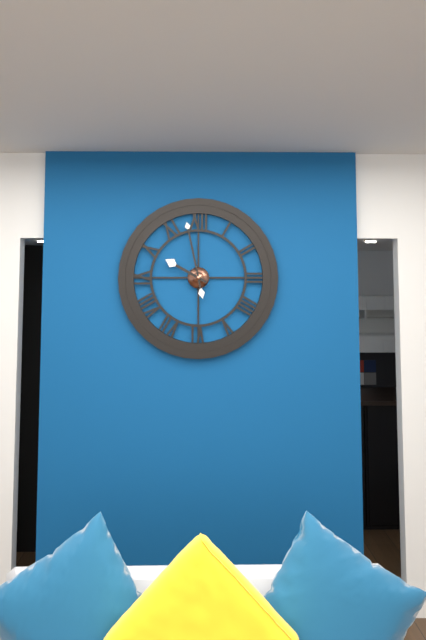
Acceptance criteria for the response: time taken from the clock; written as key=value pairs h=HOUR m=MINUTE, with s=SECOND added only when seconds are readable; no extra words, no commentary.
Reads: h=9 m=58
